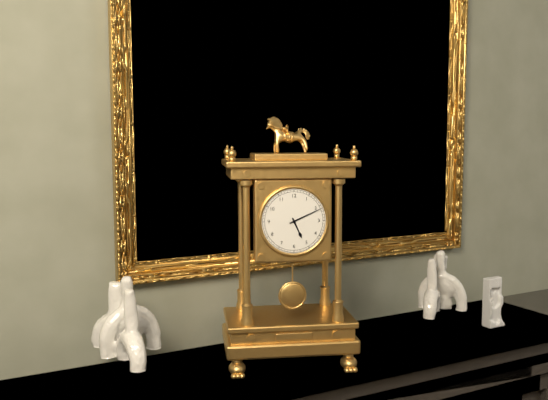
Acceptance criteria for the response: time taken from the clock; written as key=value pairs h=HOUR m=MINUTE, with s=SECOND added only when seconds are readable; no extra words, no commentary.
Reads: h=5 m=11
